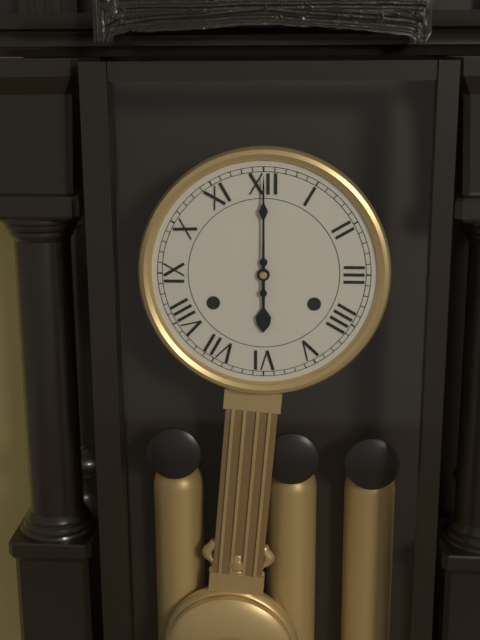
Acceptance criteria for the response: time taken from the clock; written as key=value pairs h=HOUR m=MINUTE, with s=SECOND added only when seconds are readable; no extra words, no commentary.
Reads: h=6 m=0
